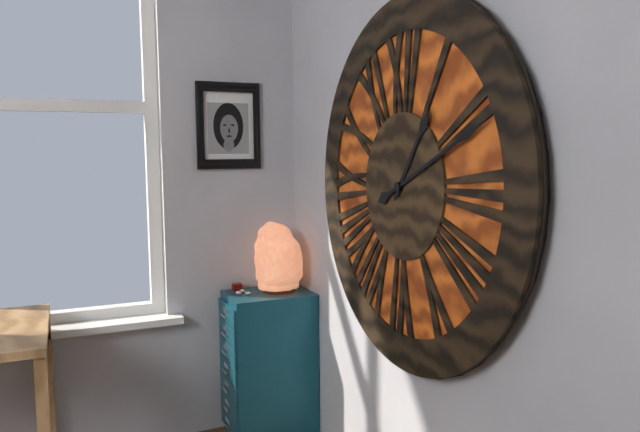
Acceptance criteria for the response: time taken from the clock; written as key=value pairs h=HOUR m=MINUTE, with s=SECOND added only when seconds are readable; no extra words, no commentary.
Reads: h=1 m=11
